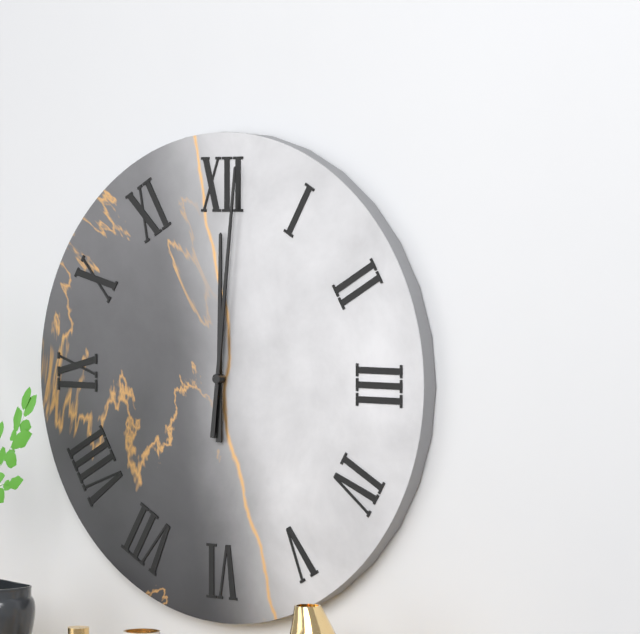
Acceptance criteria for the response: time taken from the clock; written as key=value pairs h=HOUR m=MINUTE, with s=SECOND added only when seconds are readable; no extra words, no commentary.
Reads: h=12 m=1
